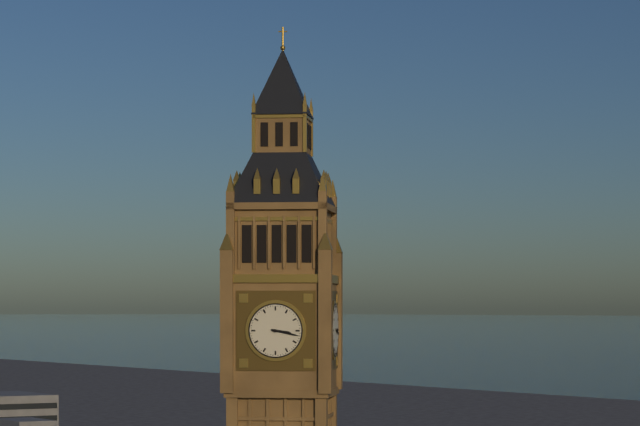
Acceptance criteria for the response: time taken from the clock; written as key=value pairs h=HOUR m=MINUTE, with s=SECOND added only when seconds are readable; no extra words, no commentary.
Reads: h=3 m=17
